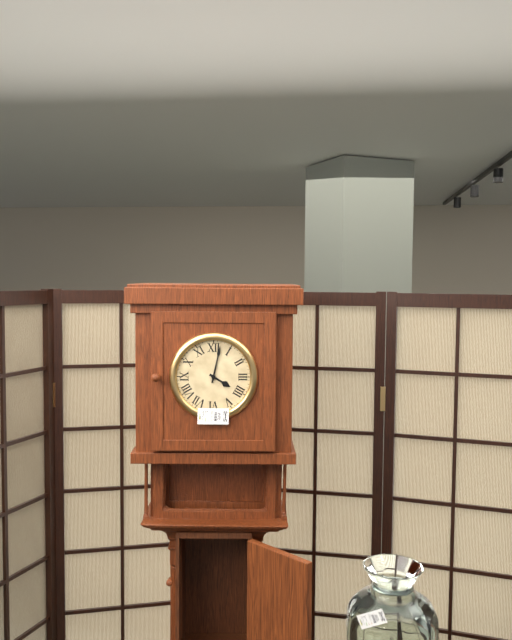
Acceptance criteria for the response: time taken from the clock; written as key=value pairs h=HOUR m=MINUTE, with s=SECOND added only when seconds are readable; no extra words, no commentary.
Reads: h=4 m=2
